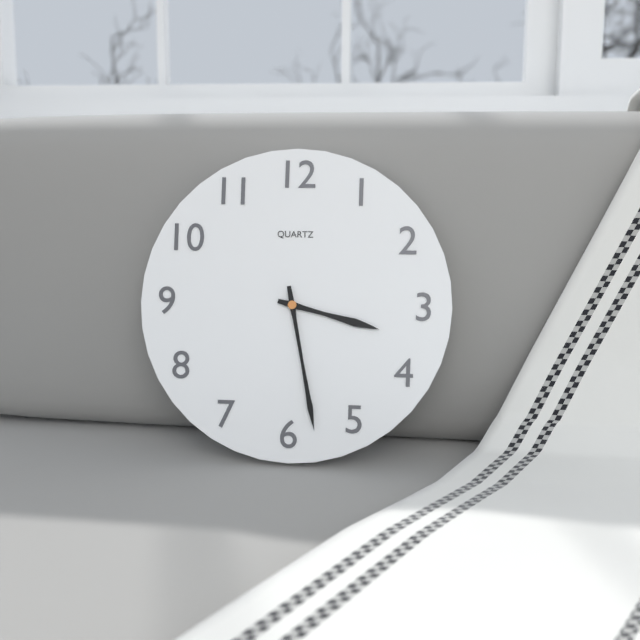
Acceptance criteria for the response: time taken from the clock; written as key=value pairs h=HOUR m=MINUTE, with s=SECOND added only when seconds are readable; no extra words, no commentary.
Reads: h=3 m=28
